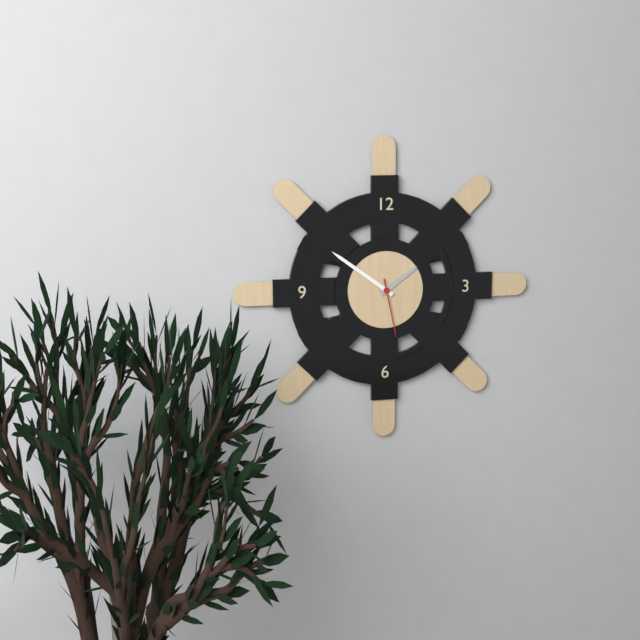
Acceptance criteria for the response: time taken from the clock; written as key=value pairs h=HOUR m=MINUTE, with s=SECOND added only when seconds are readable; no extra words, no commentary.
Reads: h=1 m=51 s=28
